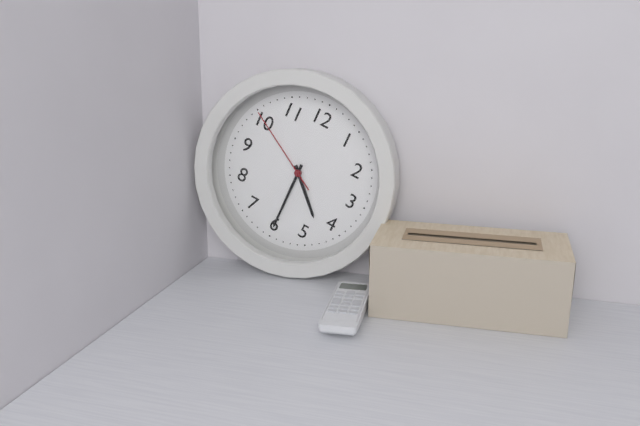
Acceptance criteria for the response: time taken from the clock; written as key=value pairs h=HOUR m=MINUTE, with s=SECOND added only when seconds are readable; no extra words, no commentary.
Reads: h=4 m=30 s=50
